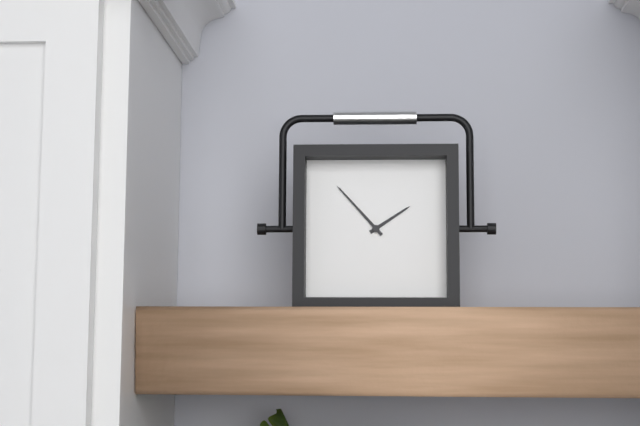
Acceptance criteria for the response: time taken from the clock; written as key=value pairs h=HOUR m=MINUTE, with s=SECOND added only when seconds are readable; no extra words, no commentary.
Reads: h=1 m=53
